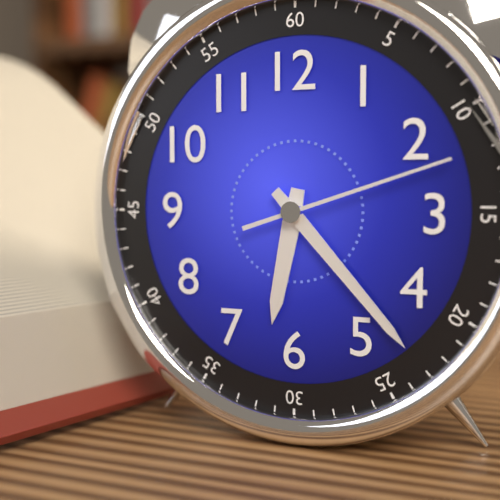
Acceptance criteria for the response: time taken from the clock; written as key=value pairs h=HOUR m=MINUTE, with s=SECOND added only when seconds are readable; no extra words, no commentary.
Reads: h=6 m=23 s=12
